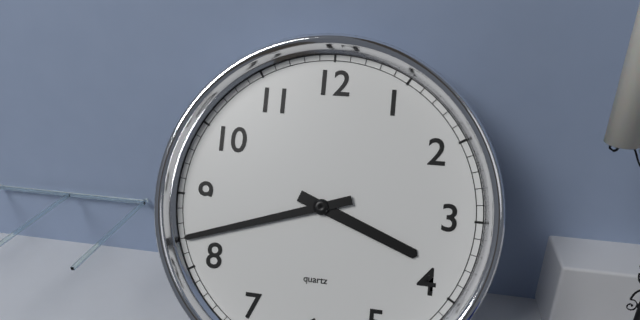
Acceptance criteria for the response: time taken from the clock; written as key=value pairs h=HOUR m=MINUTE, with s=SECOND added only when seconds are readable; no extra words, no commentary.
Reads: h=3 m=42
